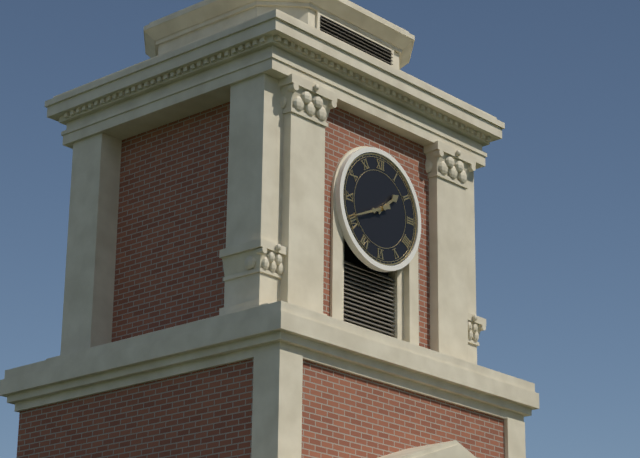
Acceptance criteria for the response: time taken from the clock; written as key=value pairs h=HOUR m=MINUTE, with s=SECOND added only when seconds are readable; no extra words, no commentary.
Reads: h=1 m=41
